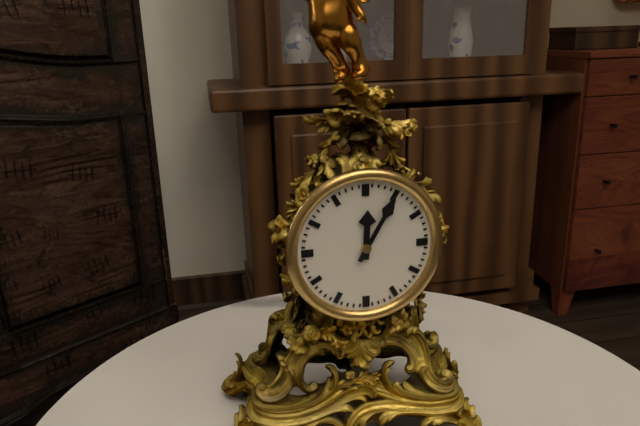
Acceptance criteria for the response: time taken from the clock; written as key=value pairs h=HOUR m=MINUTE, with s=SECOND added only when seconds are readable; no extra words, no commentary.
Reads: h=12 m=5
